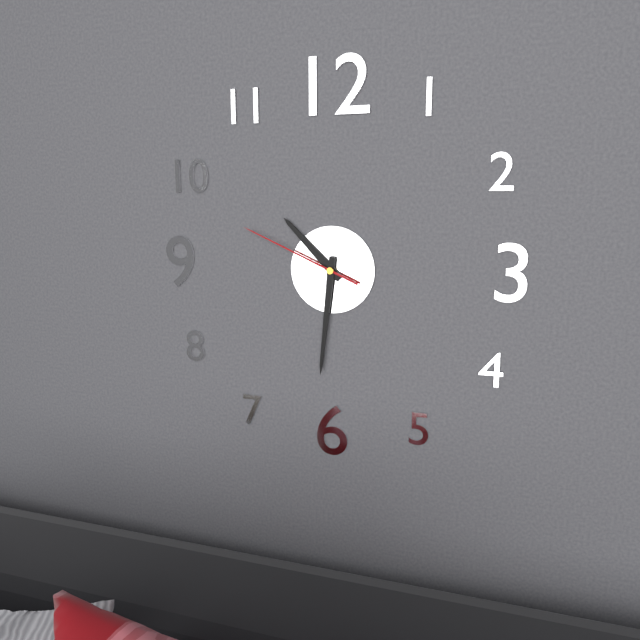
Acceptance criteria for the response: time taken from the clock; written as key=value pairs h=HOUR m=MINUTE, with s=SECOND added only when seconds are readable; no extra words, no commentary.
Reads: h=10 m=31 s=49
